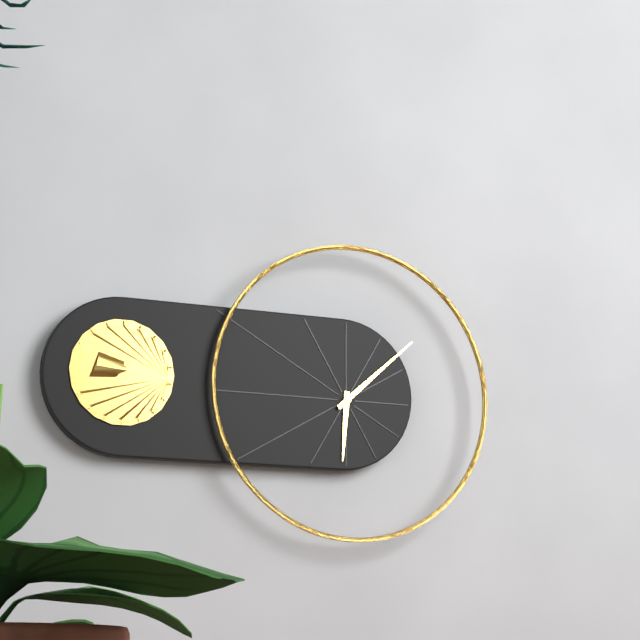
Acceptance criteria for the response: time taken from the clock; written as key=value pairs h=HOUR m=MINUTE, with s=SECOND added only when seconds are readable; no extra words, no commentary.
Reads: h=6 m=8
